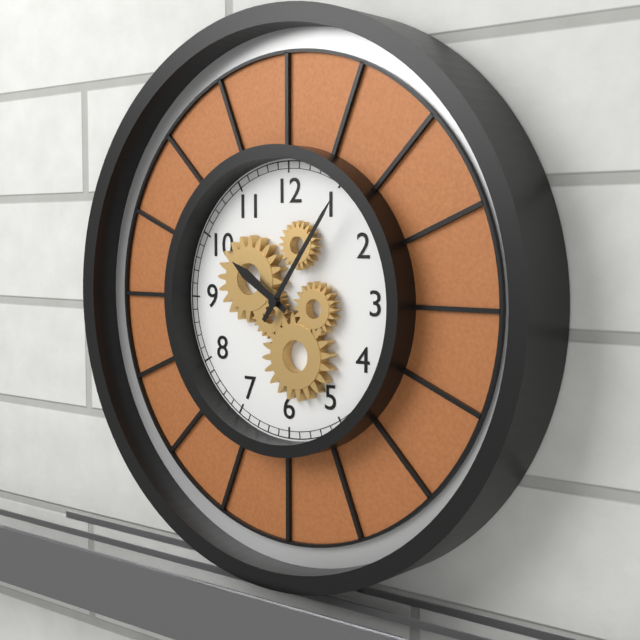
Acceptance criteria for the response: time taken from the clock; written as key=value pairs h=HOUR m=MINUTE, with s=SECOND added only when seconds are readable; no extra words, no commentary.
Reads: h=10 m=6
